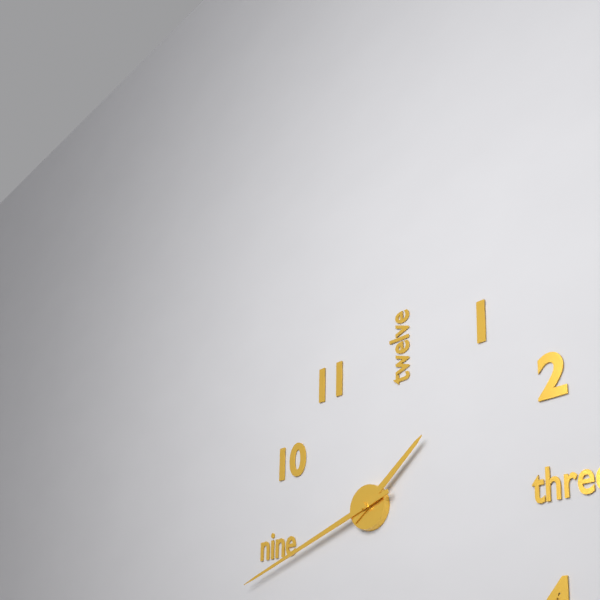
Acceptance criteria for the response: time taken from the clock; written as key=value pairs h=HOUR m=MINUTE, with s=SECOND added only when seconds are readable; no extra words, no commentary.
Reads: h=1 m=42
